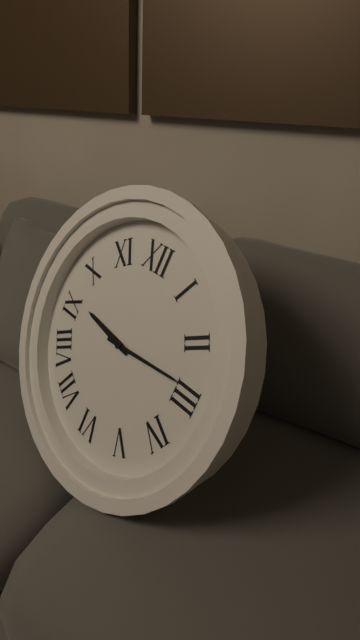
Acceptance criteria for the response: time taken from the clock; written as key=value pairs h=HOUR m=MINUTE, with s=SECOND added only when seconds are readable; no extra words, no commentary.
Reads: h=9 m=14
